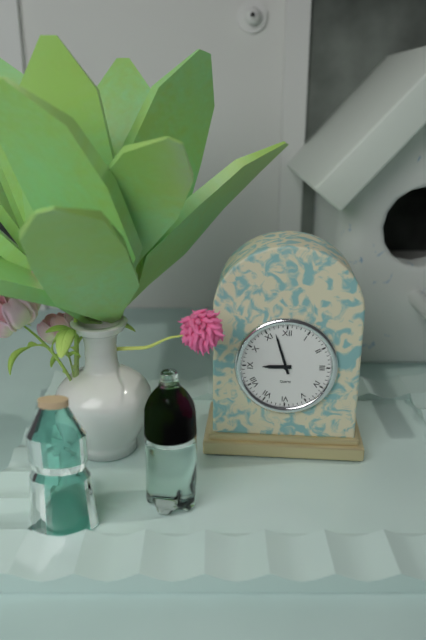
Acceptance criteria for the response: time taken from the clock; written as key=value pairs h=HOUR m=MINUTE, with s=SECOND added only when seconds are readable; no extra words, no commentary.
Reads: h=8 m=57
